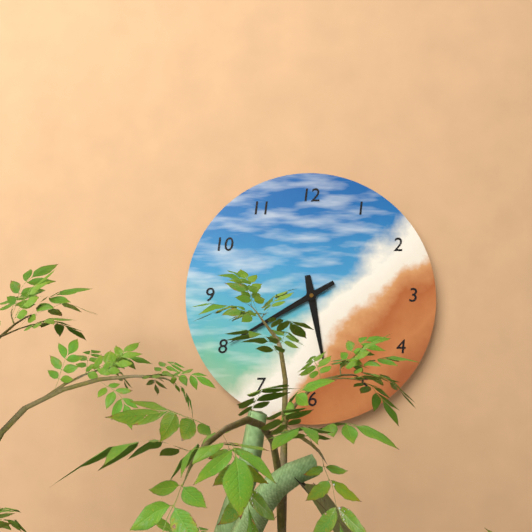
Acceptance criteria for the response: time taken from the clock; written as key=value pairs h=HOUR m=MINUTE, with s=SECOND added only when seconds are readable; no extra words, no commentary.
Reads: h=5 m=40
